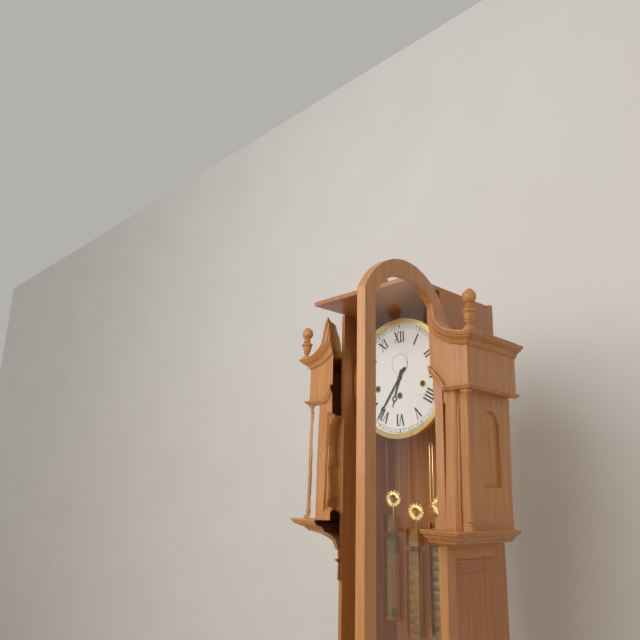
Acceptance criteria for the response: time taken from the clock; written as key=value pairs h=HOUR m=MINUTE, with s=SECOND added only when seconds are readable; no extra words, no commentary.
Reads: h=6 m=36
